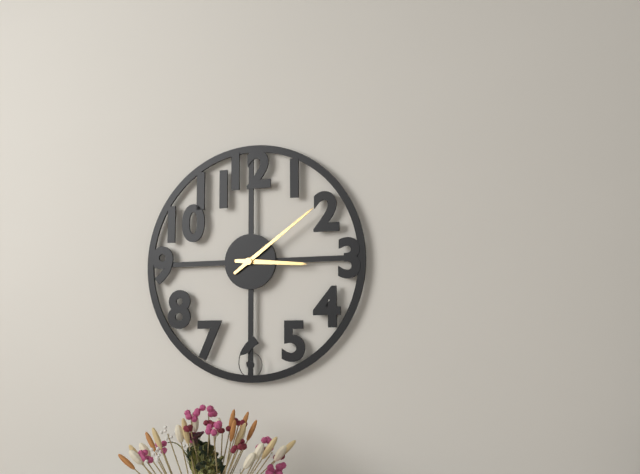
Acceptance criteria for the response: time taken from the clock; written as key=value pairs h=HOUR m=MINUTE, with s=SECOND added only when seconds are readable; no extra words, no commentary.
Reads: h=3 m=9
